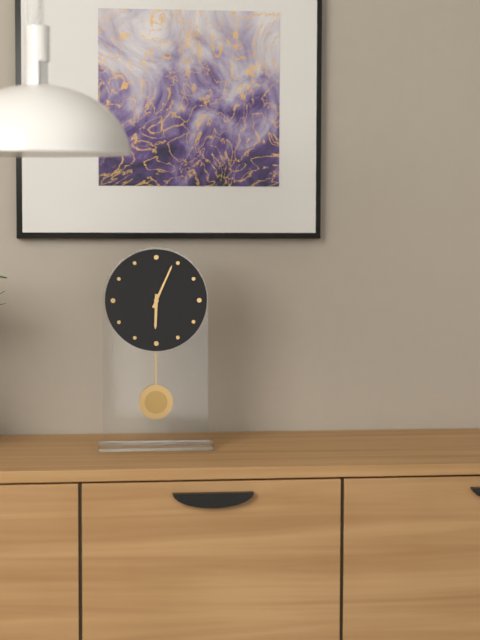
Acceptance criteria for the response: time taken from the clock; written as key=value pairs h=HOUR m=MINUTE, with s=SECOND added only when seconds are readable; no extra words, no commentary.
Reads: h=6 m=4
